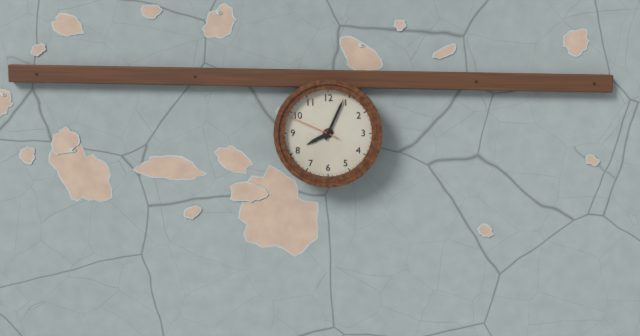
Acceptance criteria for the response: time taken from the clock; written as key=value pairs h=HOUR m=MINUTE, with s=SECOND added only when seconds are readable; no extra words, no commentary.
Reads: h=8 m=4 s=49
